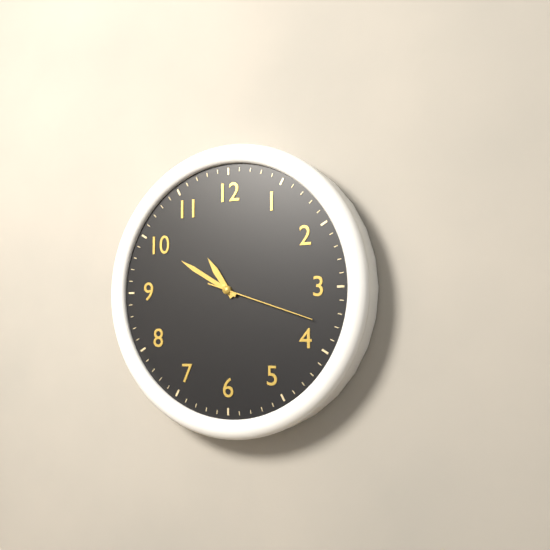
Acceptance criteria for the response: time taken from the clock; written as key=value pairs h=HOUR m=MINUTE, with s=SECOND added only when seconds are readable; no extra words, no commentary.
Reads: h=10 m=50 s=18
